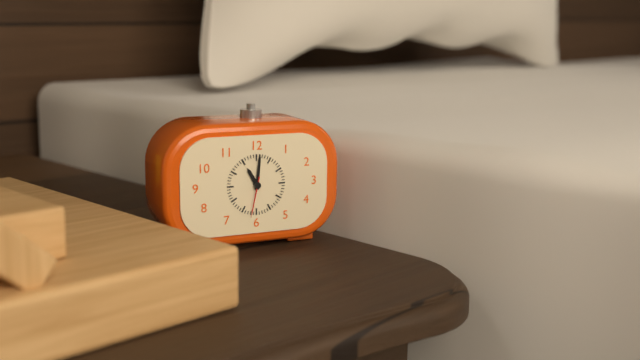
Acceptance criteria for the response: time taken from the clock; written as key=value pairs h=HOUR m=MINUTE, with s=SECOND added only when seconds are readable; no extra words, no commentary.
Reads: h=11 m=1
